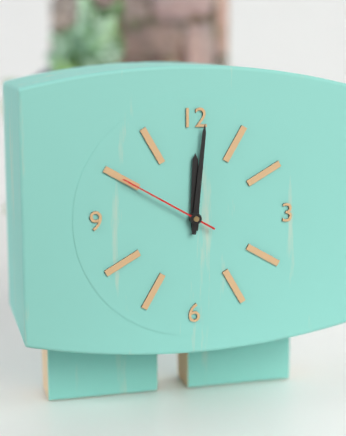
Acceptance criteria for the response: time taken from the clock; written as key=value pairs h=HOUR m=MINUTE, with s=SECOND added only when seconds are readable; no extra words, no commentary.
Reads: h=12 m=1 s=50
